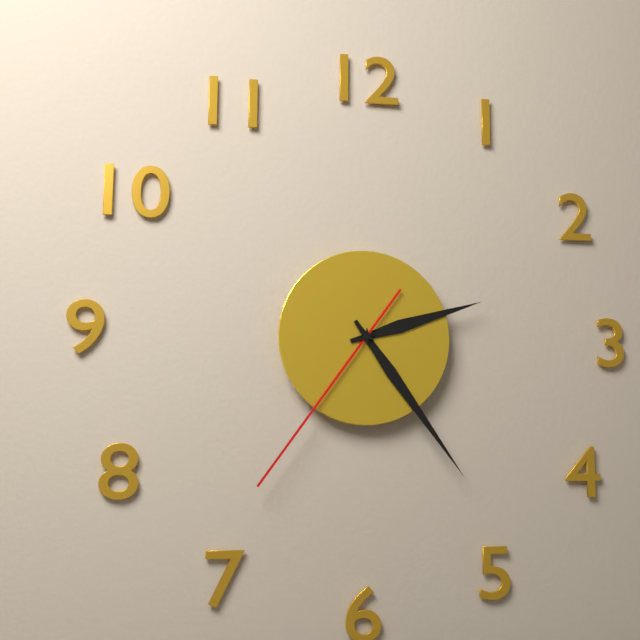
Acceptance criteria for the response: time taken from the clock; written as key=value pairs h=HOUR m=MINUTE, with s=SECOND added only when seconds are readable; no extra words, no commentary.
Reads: h=2 m=24 s=36
